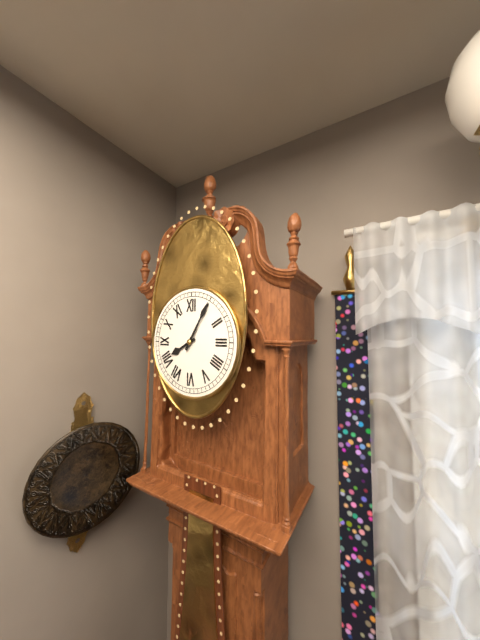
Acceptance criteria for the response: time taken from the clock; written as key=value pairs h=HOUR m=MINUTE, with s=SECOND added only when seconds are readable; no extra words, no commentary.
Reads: h=8 m=5
